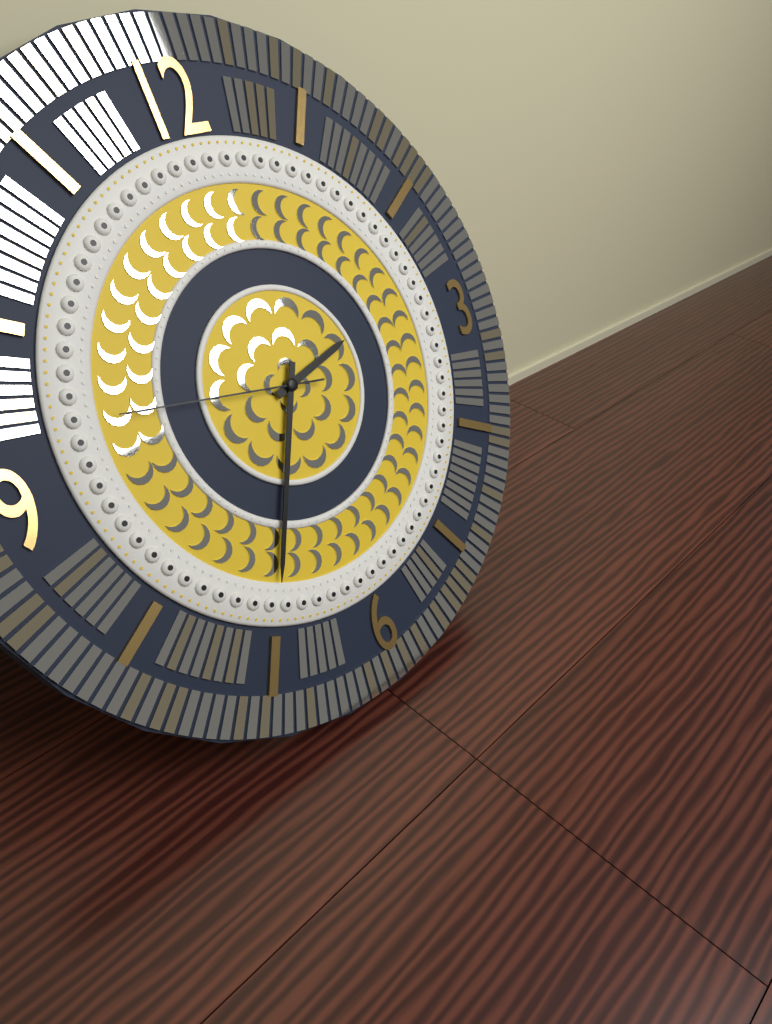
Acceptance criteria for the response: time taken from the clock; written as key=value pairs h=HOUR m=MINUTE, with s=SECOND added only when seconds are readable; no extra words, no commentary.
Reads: h=2 m=35 s=47
